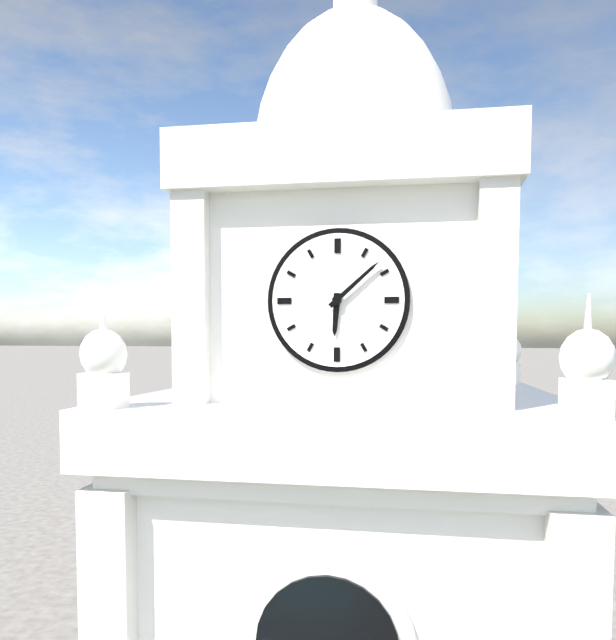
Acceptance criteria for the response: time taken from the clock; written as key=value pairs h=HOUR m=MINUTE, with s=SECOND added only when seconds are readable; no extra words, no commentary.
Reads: h=6 m=8
